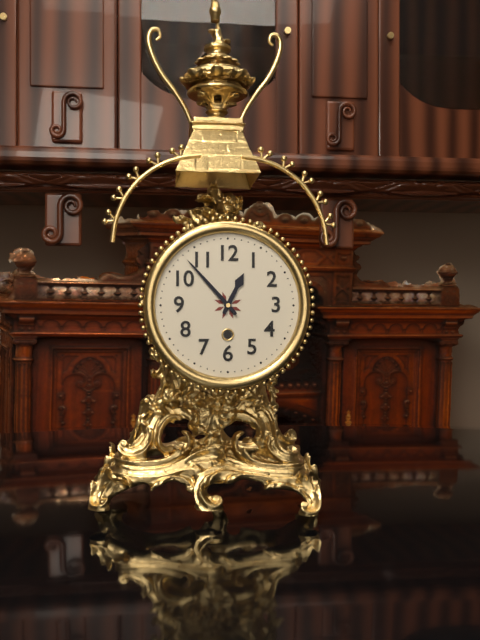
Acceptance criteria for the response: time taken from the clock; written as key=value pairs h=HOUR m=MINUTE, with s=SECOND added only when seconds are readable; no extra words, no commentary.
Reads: h=12 m=53
